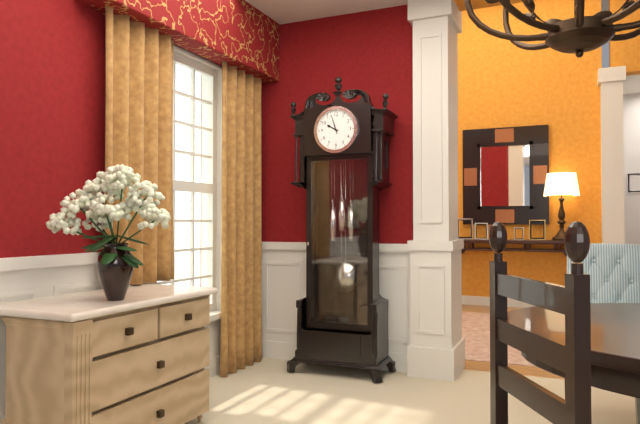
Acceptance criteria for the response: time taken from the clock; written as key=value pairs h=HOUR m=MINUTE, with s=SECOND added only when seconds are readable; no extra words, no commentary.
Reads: h=9 m=57
